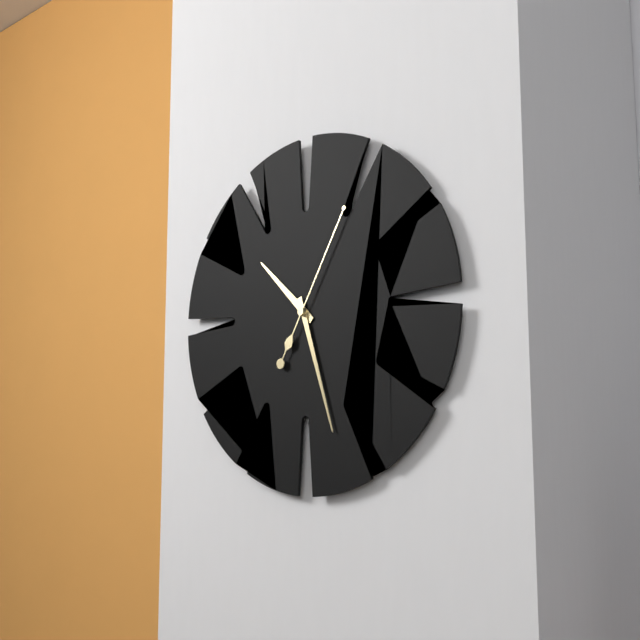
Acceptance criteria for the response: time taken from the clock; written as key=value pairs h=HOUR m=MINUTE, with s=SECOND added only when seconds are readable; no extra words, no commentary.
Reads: h=10 m=27 s=5
